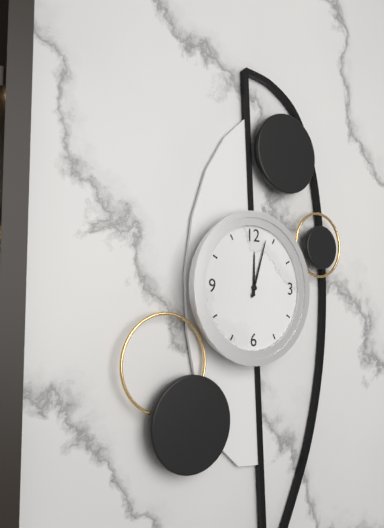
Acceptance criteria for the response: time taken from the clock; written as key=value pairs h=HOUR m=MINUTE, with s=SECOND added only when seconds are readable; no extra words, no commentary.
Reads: h=12 m=3
